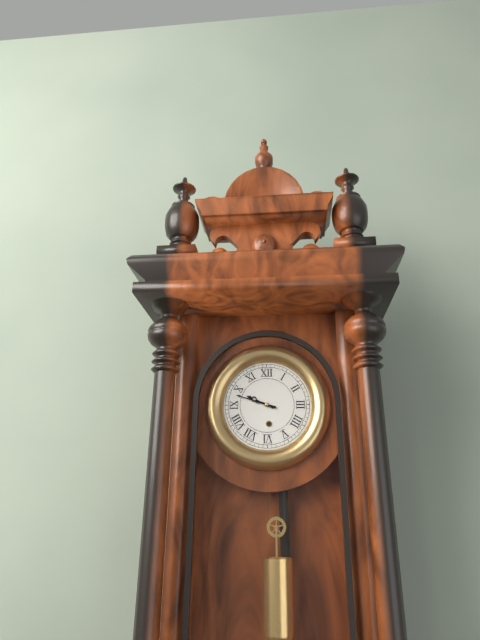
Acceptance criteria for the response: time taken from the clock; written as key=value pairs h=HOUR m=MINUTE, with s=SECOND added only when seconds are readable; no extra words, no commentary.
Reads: h=9 m=48
